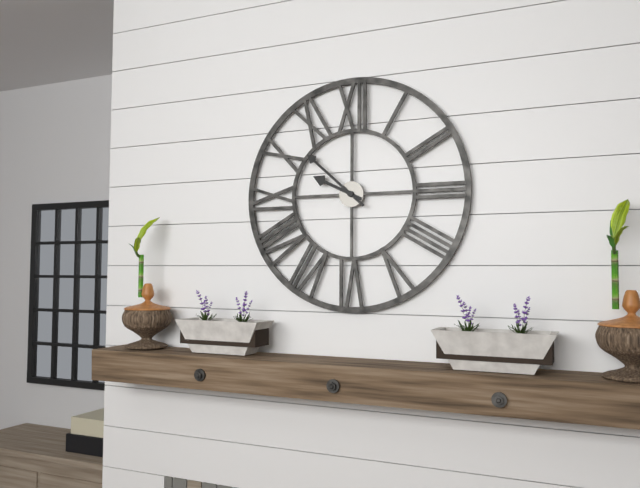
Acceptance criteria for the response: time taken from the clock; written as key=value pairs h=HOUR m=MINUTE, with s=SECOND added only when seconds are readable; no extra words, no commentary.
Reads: h=9 m=52
